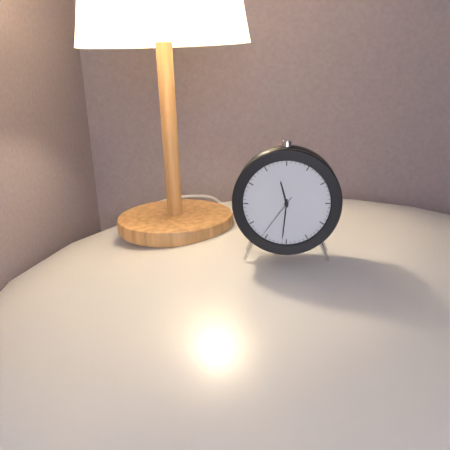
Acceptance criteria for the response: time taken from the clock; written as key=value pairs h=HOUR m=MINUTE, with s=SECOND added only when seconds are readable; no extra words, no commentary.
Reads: h=11 m=31
